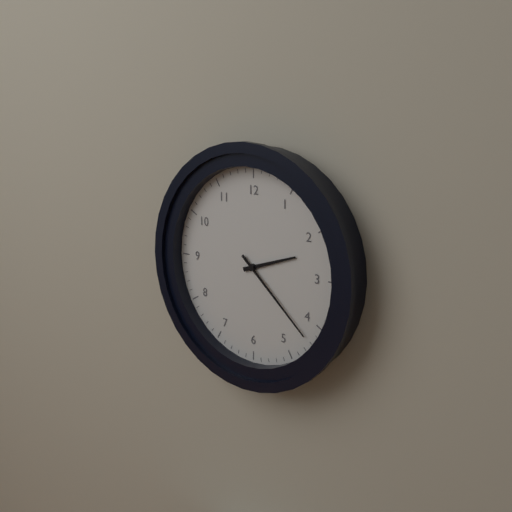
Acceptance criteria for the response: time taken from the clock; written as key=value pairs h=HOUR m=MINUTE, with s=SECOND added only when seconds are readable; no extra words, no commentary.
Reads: h=2 m=22
